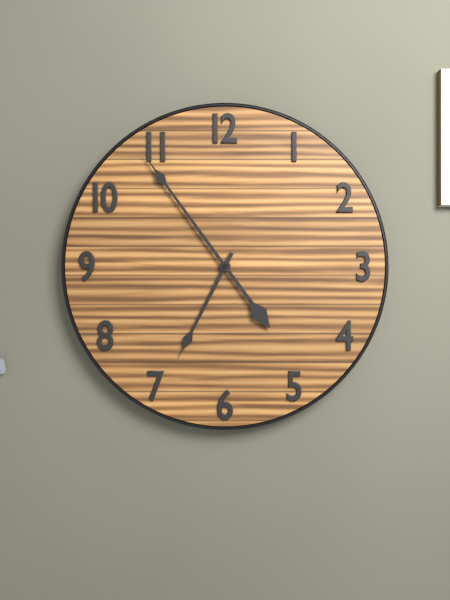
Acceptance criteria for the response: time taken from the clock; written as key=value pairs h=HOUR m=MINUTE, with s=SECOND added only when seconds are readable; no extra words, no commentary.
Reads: h=6 m=54
